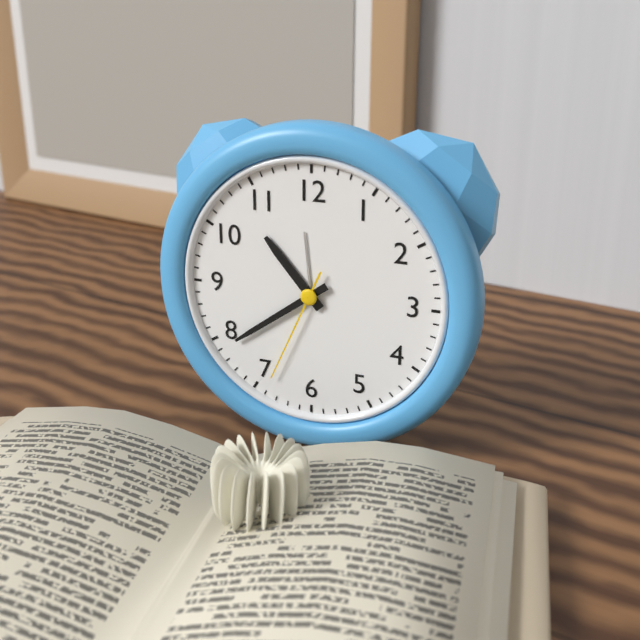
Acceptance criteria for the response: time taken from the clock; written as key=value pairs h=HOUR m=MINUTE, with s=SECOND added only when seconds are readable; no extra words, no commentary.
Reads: h=10 m=39 s=34
